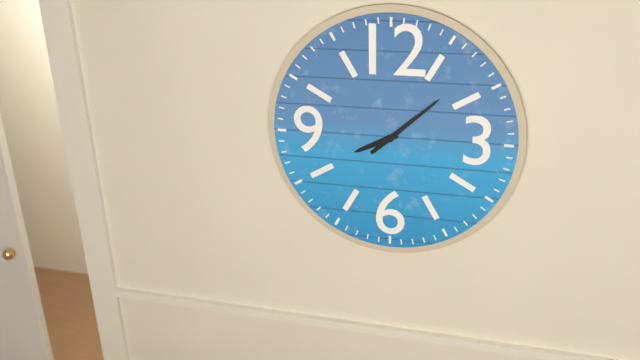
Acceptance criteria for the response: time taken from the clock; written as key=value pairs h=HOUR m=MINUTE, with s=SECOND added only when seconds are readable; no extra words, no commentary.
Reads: h=8 m=8
